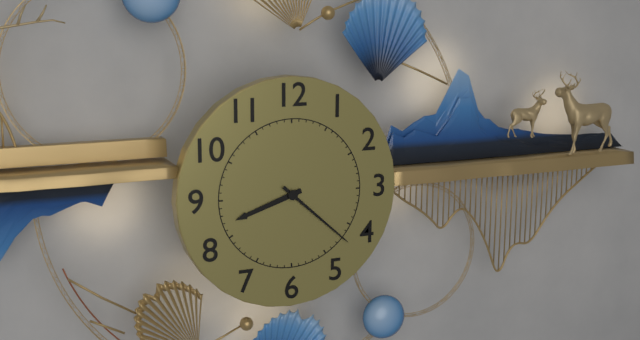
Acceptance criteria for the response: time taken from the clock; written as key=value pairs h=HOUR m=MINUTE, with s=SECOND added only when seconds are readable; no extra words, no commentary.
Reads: h=8 m=22
